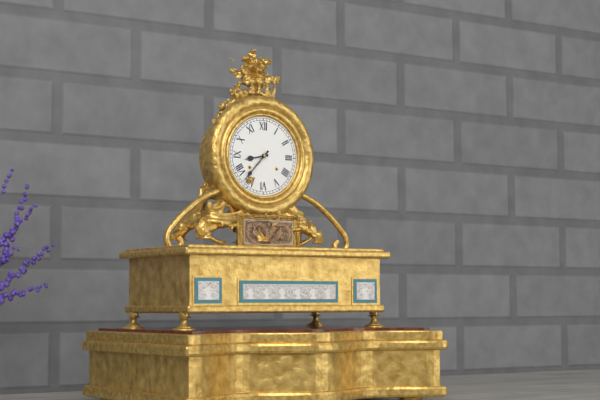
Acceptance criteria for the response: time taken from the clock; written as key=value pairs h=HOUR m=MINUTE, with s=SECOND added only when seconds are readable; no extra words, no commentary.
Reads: h=8 m=37
